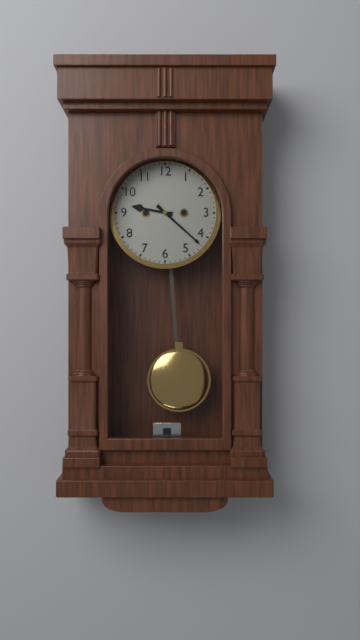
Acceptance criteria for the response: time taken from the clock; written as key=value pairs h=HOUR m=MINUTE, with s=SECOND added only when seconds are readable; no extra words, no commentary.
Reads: h=9 m=22
